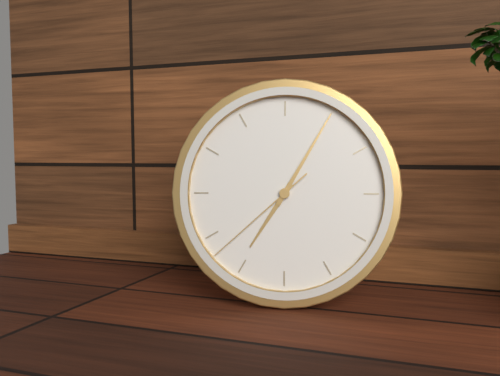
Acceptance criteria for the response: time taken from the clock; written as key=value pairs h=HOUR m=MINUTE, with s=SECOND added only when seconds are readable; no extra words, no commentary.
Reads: h=7 m=5 s=38
